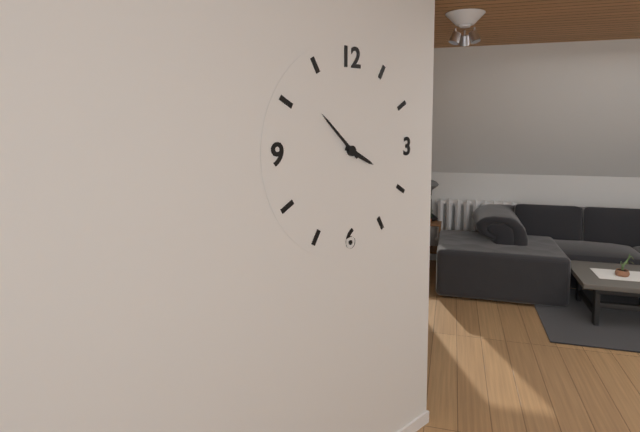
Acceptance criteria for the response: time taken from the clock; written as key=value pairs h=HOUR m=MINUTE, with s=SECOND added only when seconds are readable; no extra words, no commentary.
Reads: h=3 m=52
